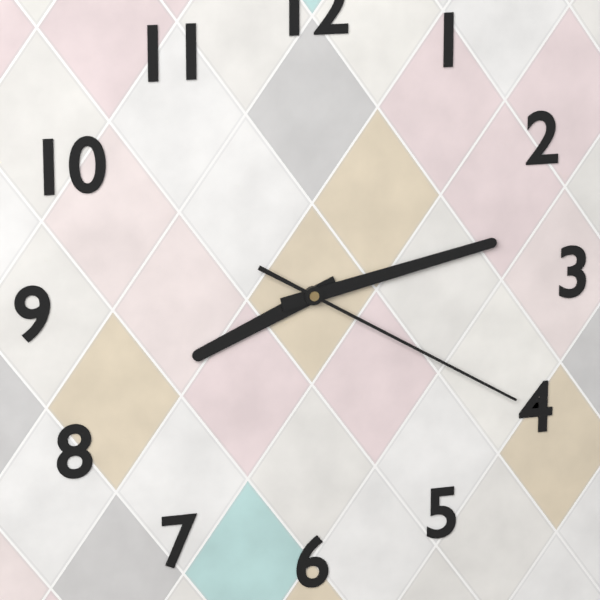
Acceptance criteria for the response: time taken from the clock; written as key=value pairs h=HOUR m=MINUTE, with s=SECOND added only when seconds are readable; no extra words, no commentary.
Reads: h=8 m=13 s=20
